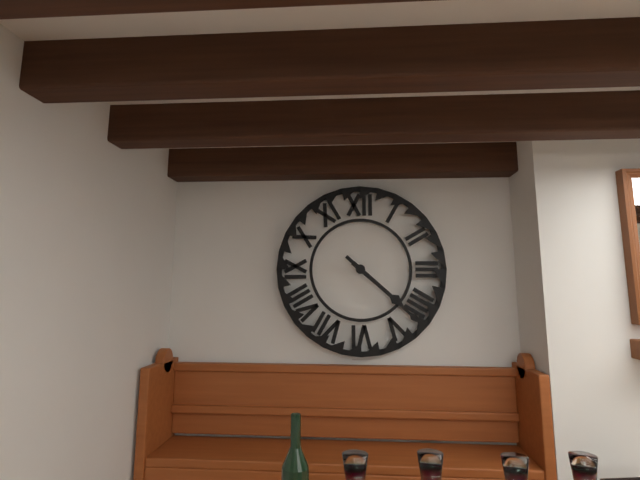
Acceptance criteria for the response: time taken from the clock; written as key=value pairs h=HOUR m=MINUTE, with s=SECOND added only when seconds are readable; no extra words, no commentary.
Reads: h=4 m=22
